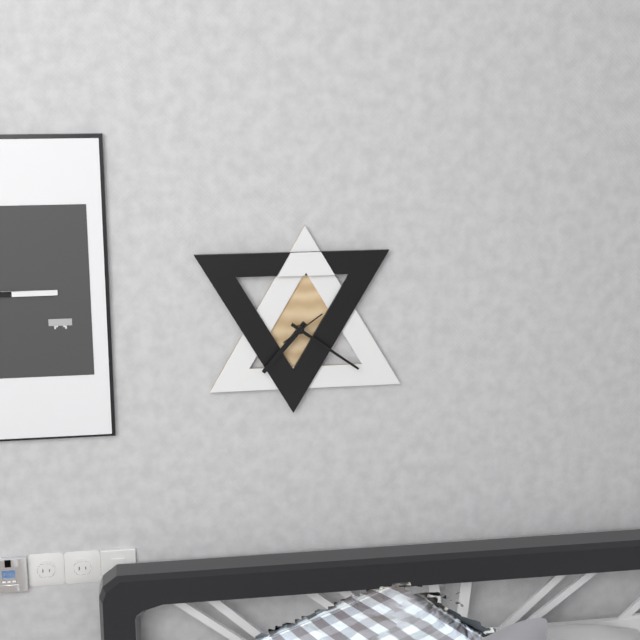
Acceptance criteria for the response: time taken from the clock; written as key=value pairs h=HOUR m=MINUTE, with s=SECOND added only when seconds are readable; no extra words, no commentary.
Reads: h=7 m=21
